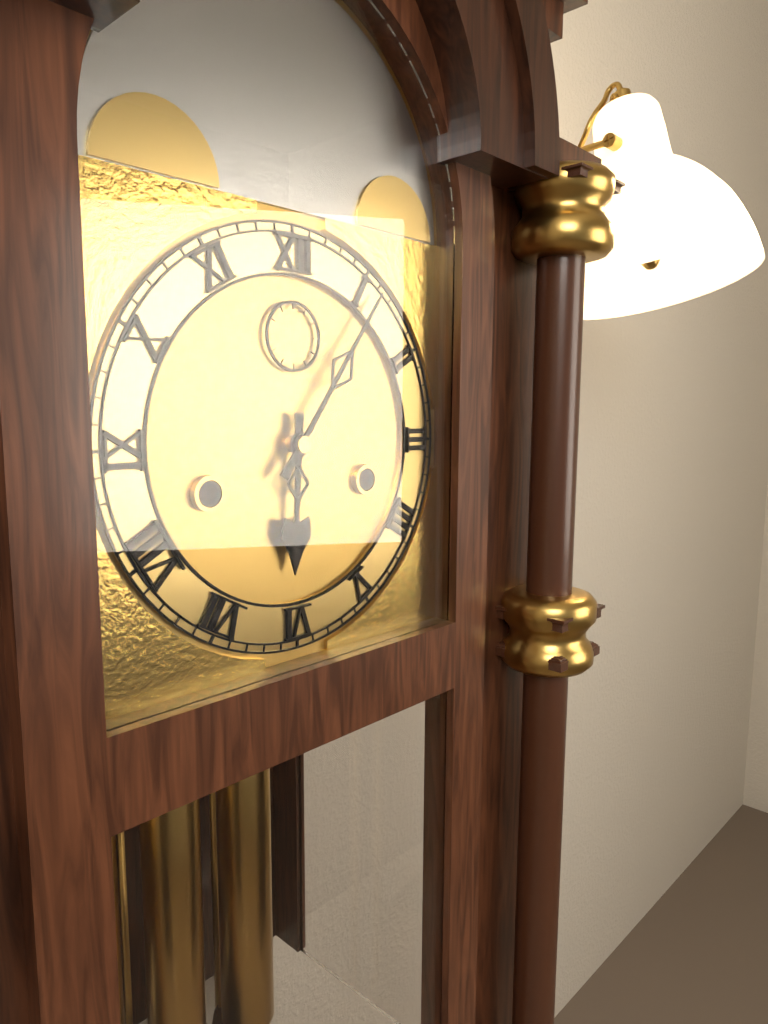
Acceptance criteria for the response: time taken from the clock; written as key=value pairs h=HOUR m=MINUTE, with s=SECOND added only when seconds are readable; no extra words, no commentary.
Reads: h=6 m=6
